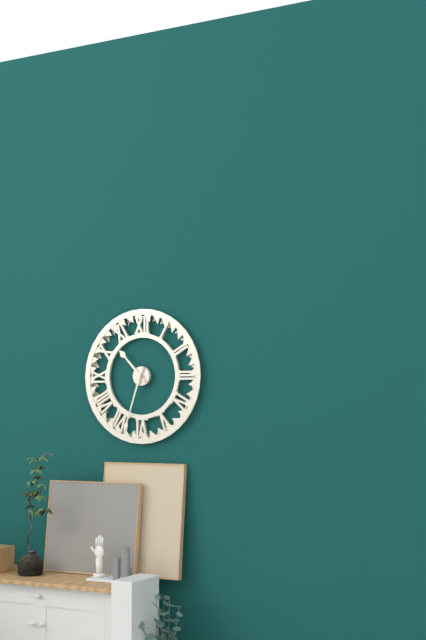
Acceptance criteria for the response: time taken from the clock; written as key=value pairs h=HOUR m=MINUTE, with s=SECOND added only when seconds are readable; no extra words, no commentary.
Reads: h=10 m=33
